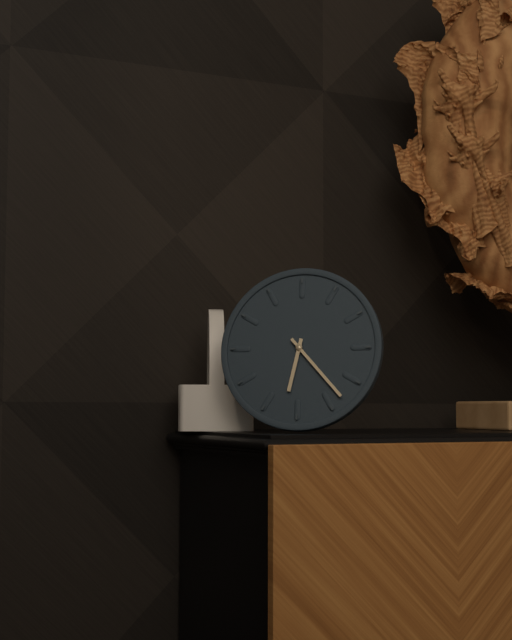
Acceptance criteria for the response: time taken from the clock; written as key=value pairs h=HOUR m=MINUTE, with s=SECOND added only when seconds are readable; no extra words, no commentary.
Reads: h=6 m=23
